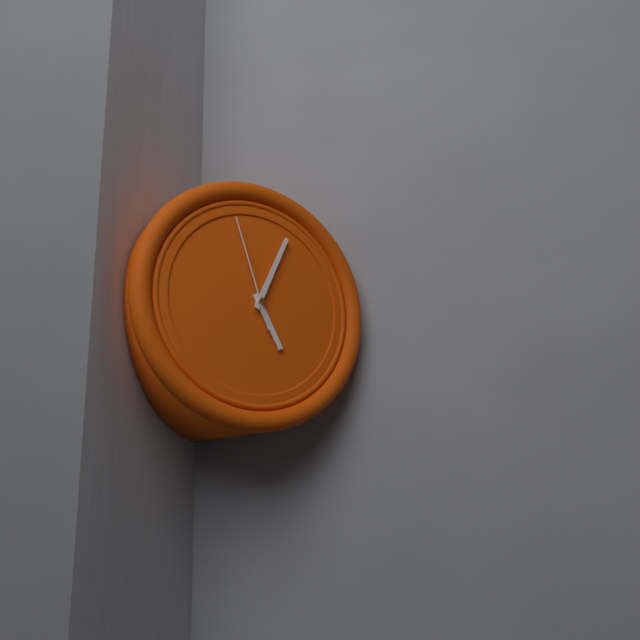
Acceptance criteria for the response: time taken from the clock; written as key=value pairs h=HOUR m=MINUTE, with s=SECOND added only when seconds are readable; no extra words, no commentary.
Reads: h=5 m=4 s=57
